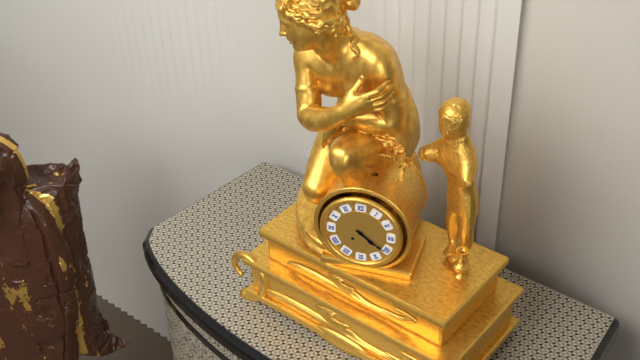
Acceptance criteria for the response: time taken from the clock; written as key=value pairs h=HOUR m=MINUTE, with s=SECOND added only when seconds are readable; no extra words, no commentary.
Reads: h=4 m=21
